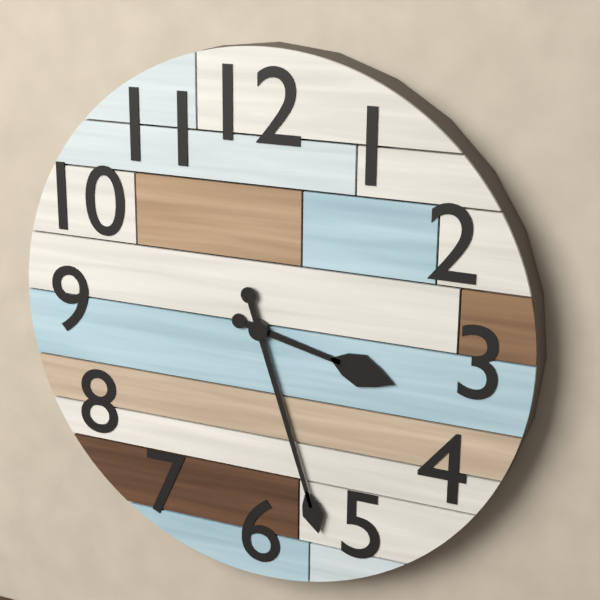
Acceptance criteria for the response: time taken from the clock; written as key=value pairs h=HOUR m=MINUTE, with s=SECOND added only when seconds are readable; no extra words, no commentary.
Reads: h=3 m=27
